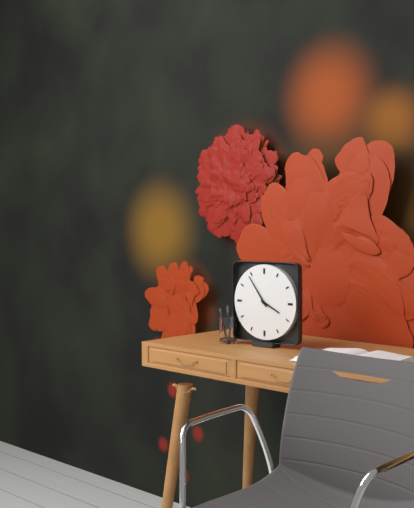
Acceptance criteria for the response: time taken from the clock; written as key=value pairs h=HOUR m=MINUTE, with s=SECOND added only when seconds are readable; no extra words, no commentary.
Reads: h=3 m=54
